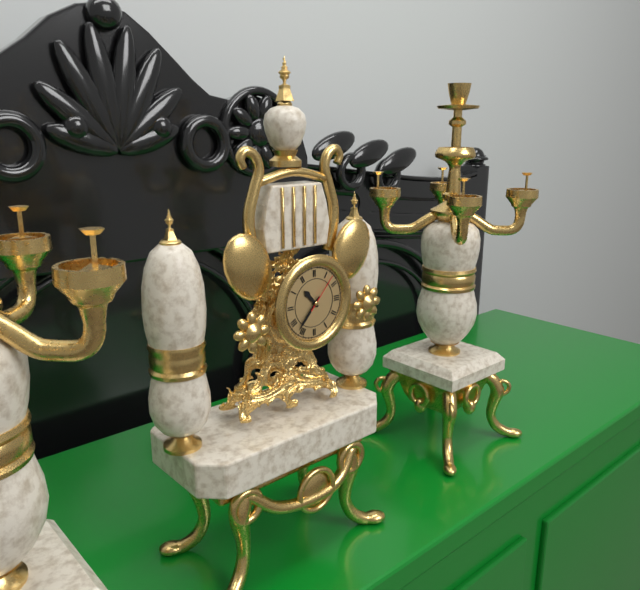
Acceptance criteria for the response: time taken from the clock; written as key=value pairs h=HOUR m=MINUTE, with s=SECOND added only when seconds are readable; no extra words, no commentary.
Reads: h=10 m=37
